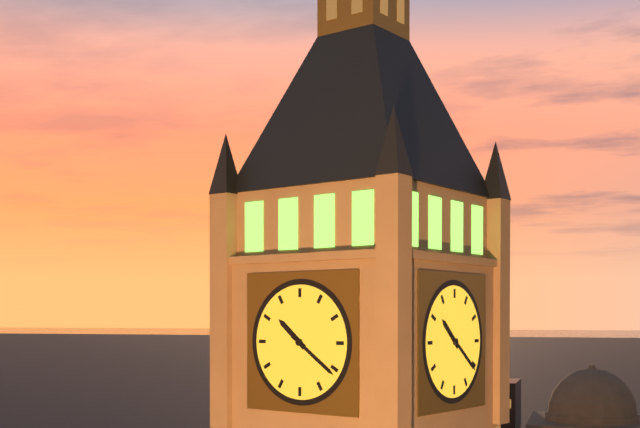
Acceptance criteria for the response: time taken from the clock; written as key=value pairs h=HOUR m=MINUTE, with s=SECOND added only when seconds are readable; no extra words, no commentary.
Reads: h=10 m=21
